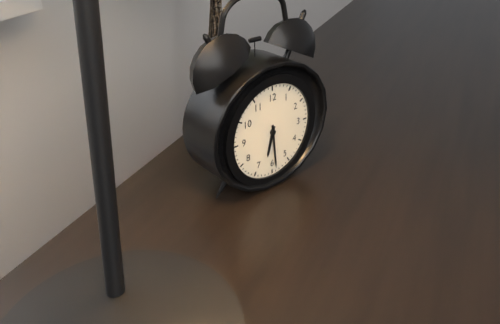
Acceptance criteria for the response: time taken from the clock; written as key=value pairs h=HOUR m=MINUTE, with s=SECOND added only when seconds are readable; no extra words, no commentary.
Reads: h=6 m=29
